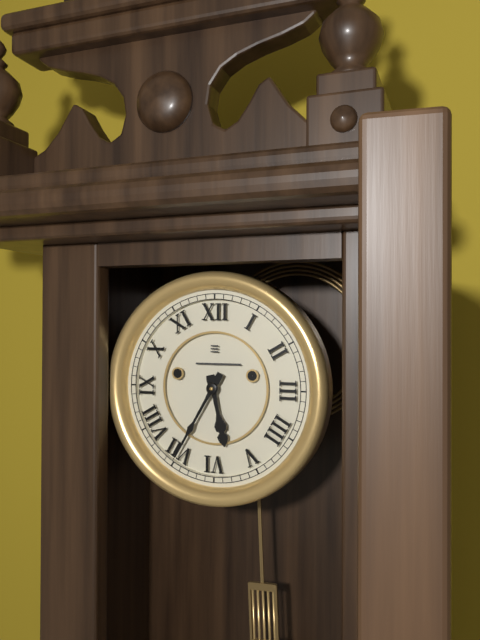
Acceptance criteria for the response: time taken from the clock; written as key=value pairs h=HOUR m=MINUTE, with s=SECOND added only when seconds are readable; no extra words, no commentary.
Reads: h=5 m=35
